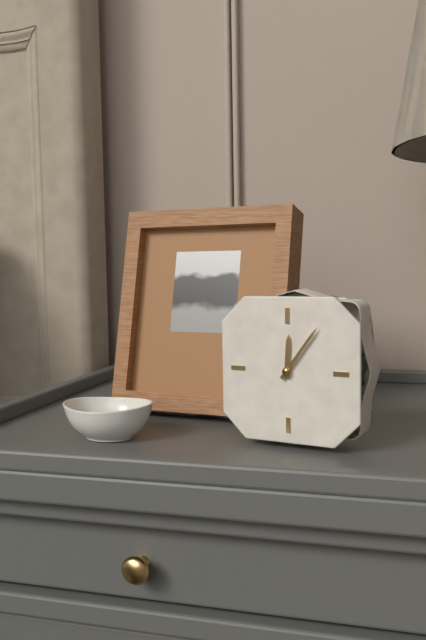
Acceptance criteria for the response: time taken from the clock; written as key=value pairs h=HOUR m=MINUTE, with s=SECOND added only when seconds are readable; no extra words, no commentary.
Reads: h=12 m=6
